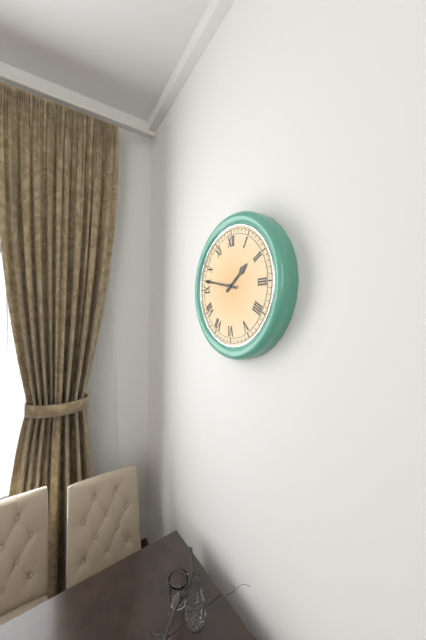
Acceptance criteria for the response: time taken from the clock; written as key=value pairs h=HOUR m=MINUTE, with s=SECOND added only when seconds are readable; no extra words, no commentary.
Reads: h=1 m=47
